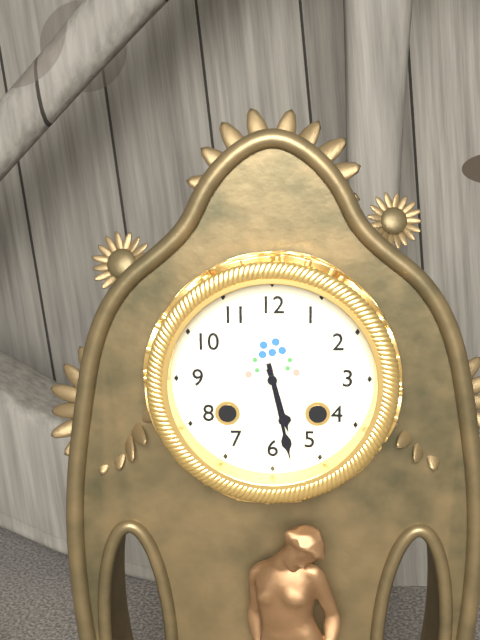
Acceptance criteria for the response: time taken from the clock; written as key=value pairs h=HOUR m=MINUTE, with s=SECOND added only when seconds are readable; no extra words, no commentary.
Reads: h=5 m=28
